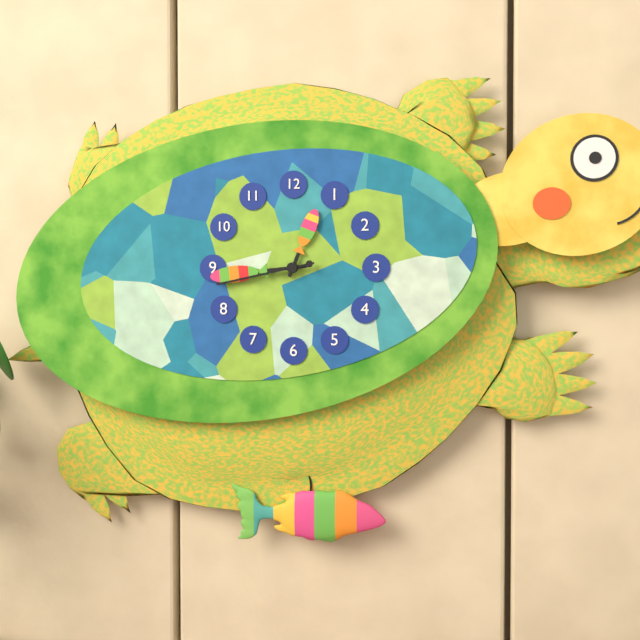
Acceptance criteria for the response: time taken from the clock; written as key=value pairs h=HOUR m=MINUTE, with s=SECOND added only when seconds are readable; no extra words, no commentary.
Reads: h=12 m=44 s=43
